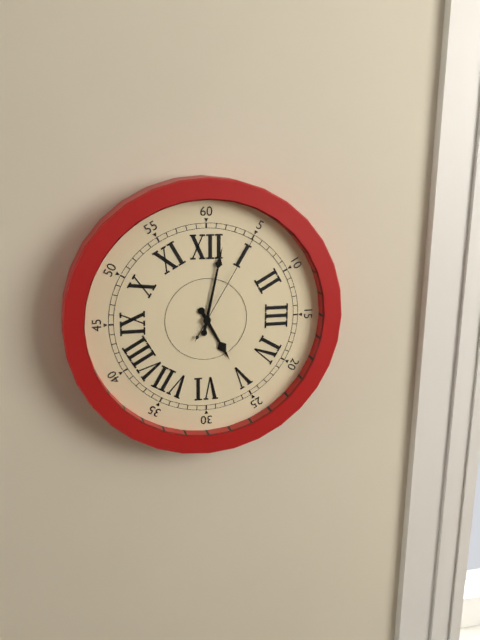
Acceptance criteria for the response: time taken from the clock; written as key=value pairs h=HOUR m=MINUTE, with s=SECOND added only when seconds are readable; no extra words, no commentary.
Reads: h=5 m=2 s=5
